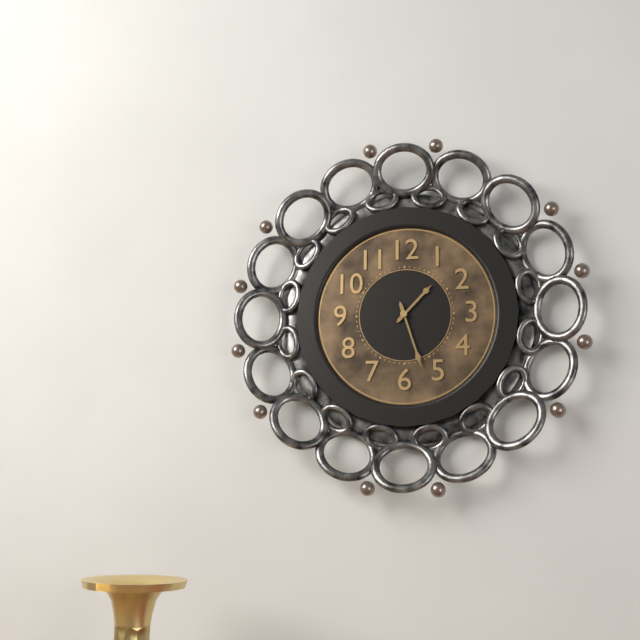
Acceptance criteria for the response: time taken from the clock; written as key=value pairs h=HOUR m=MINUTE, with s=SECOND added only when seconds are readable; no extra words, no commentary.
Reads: h=1 m=27
